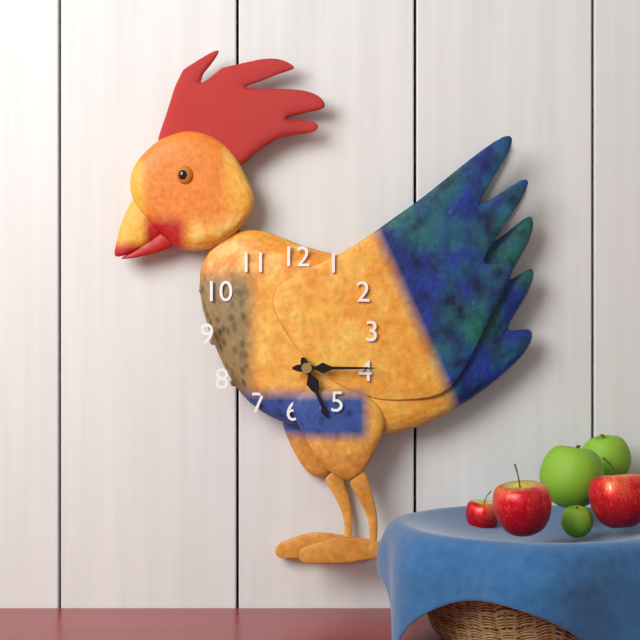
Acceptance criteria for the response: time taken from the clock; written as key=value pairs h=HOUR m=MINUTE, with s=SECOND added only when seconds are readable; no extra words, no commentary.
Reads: h=5 m=15
